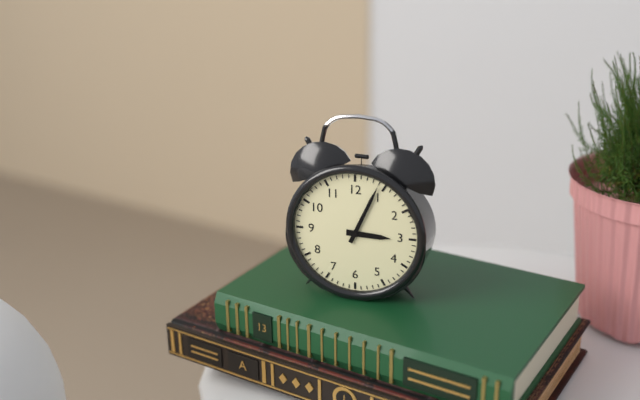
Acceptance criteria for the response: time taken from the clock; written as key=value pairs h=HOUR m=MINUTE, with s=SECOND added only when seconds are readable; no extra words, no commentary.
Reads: h=3 m=4
